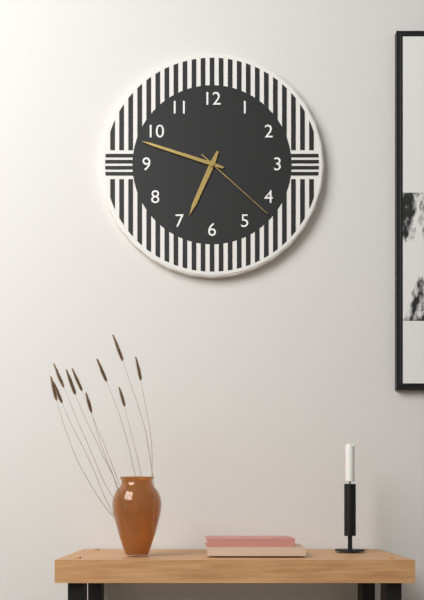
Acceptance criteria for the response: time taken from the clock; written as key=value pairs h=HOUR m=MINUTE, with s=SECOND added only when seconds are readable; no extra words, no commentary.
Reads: h=6 m=48 s=22
